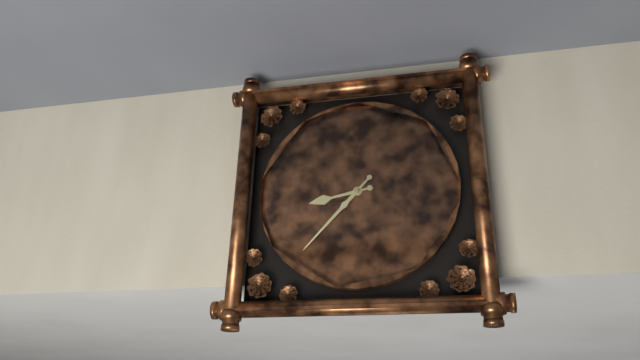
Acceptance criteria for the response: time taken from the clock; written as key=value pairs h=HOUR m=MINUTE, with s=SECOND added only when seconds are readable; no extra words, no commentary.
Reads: h=8 m=37
